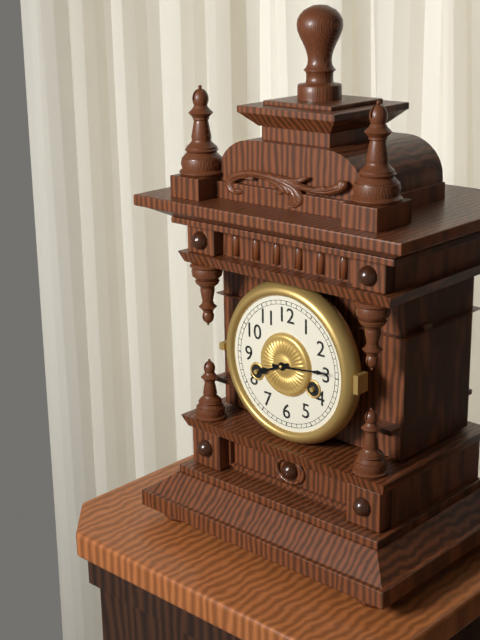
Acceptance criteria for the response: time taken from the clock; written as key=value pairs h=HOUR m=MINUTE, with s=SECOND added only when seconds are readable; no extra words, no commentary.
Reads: h=8 m=14
